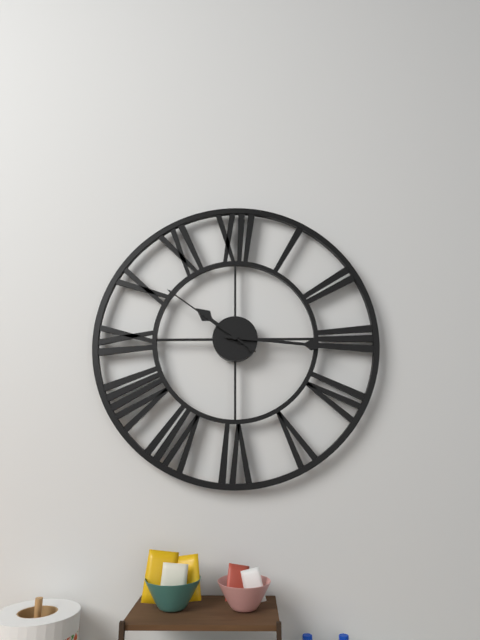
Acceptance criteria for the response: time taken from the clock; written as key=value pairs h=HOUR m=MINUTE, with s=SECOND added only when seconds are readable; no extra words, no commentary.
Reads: h=10 m=16 s=51
